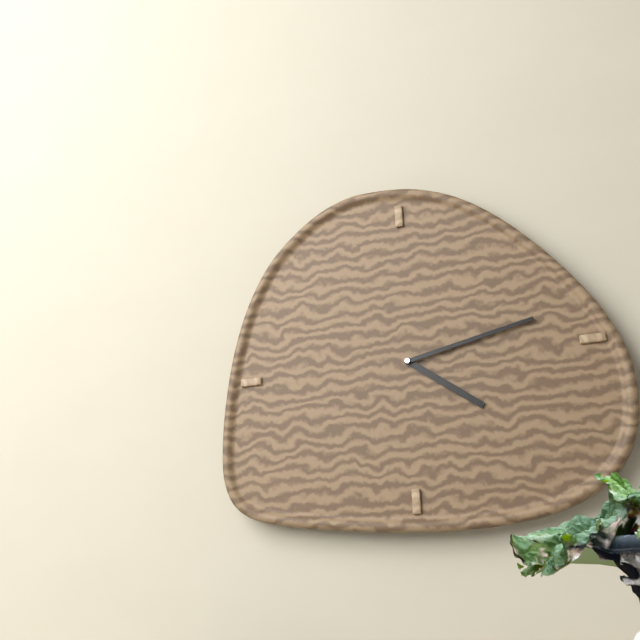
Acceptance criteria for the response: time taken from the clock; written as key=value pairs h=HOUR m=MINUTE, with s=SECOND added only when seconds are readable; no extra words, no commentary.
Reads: h=4 m=13
